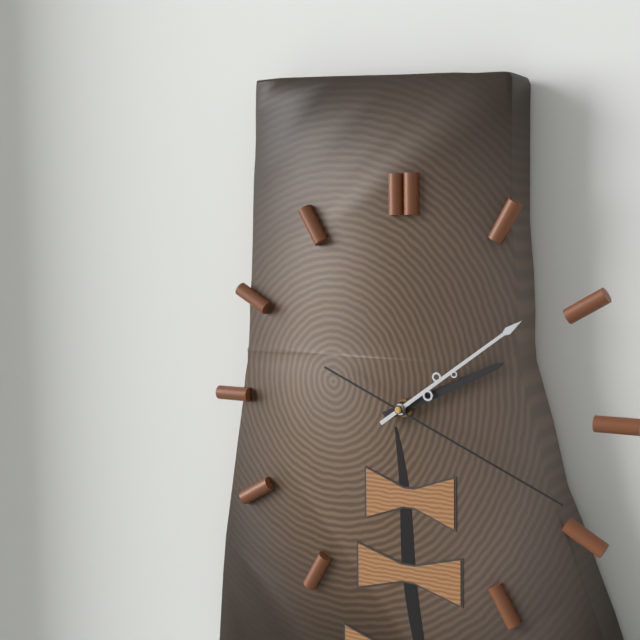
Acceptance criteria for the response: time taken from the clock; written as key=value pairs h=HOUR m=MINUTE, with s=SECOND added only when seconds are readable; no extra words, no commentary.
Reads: h=2 m=9 s=19
